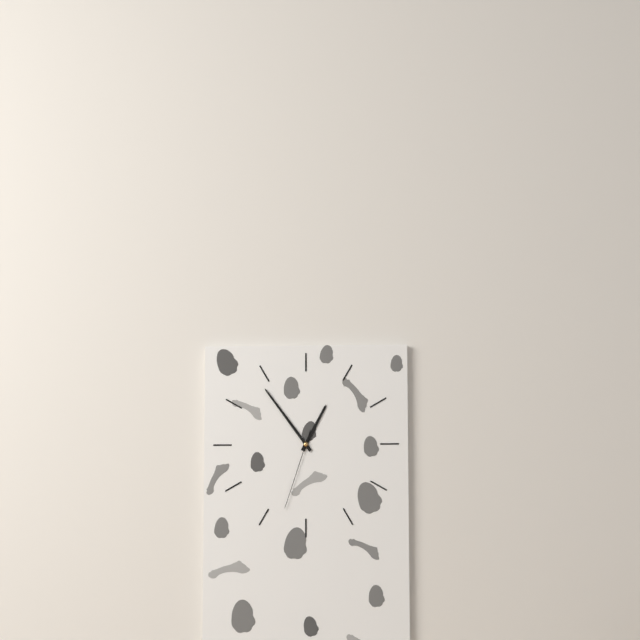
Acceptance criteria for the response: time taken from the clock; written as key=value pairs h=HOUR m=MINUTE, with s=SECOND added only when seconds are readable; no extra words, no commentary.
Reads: h=12 m=54 s=33
